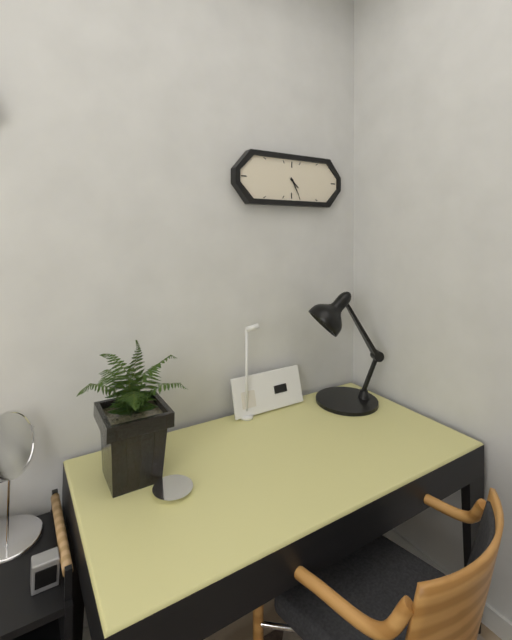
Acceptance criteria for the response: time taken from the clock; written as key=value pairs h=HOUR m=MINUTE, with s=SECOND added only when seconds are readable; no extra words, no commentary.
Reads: h=4 m=25
